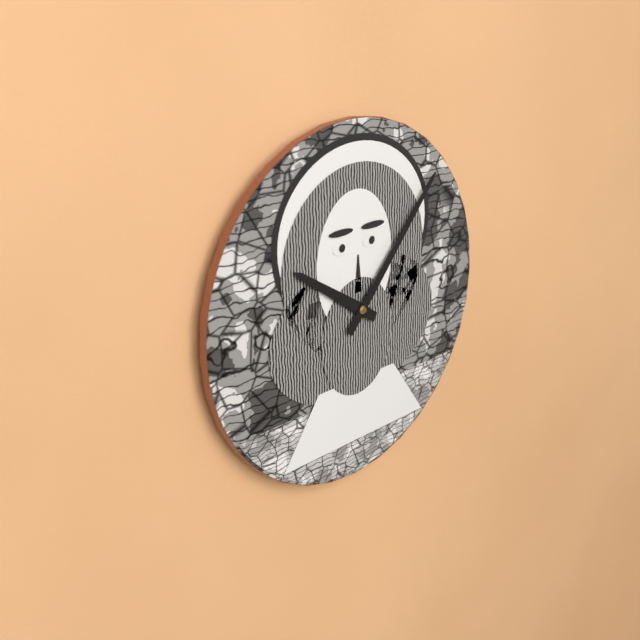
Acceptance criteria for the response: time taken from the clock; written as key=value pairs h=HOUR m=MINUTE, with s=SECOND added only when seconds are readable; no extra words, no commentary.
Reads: h=10 m=7
